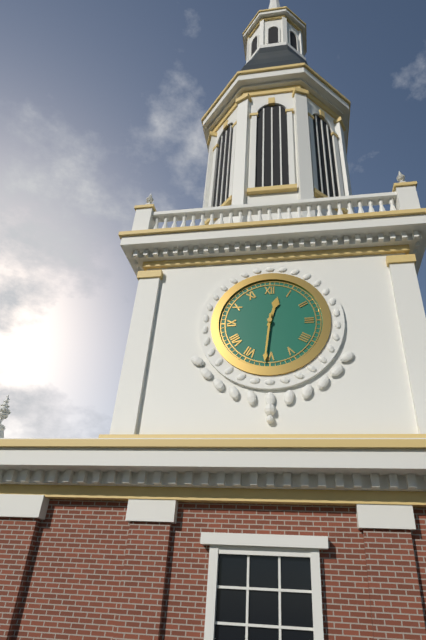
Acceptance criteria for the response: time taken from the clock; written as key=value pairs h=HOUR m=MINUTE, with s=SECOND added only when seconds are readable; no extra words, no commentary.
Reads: h=12 m=31
